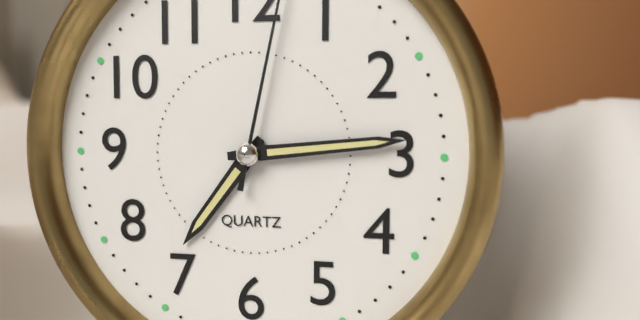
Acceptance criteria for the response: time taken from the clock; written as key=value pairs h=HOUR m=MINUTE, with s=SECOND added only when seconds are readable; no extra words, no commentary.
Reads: h=7 m=14
